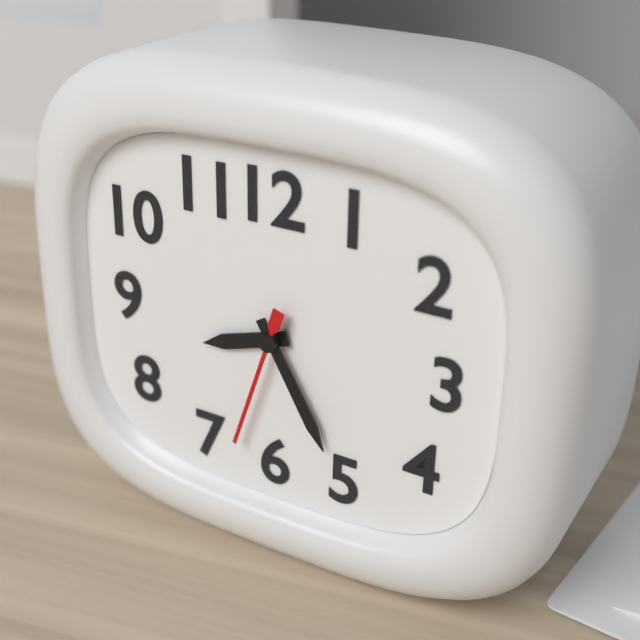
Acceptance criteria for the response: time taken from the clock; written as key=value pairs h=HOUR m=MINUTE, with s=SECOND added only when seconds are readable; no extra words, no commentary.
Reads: h=8 m=25 s=33
